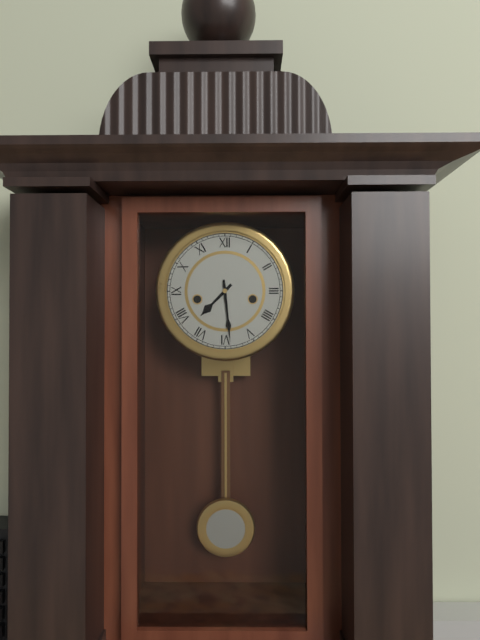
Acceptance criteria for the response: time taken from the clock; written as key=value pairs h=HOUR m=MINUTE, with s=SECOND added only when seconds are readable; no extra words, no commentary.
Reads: h=7 m=29
